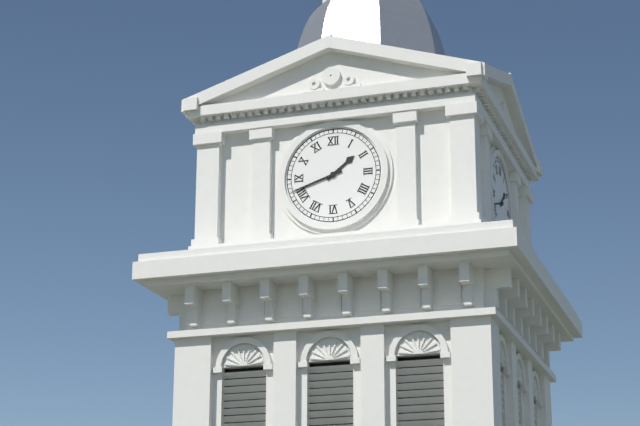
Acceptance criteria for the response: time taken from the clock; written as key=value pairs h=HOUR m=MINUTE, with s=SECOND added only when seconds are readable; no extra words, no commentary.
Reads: h=1 m=42
